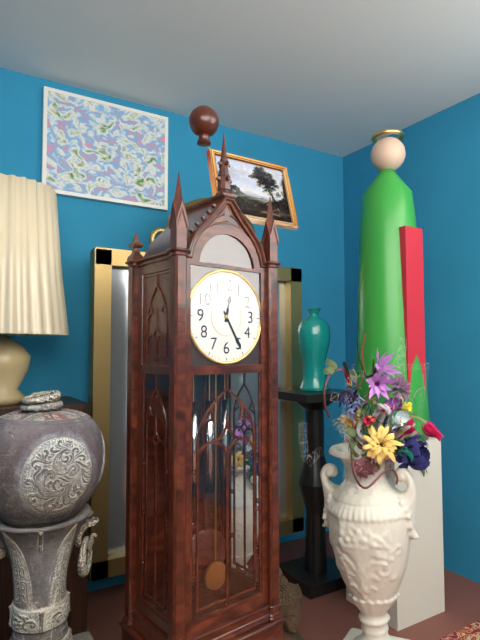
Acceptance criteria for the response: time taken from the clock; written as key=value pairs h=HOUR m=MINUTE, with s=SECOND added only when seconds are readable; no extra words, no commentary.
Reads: h=12 m=25
